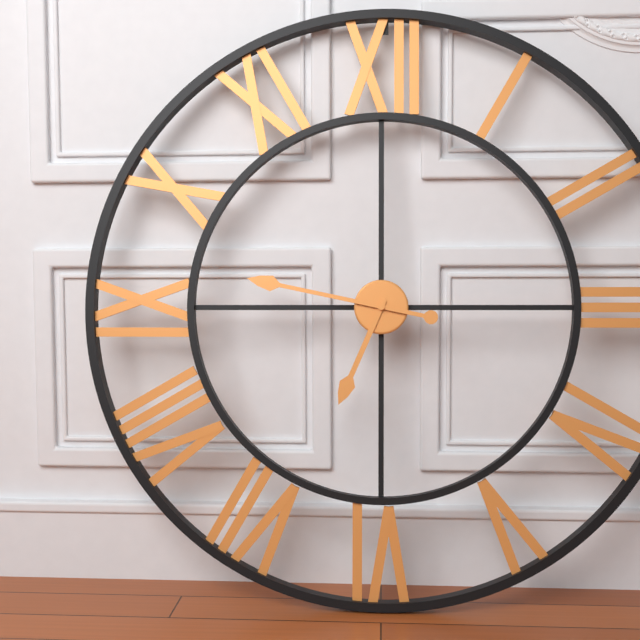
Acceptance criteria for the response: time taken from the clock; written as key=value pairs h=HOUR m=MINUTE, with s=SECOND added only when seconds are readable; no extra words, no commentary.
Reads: h=6 m=47
